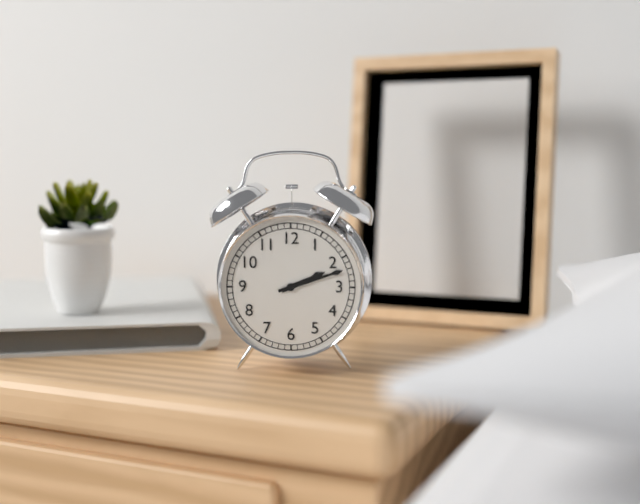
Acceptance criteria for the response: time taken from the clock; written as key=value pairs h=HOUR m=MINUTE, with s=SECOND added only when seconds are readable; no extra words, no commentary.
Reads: h=2 m=12
